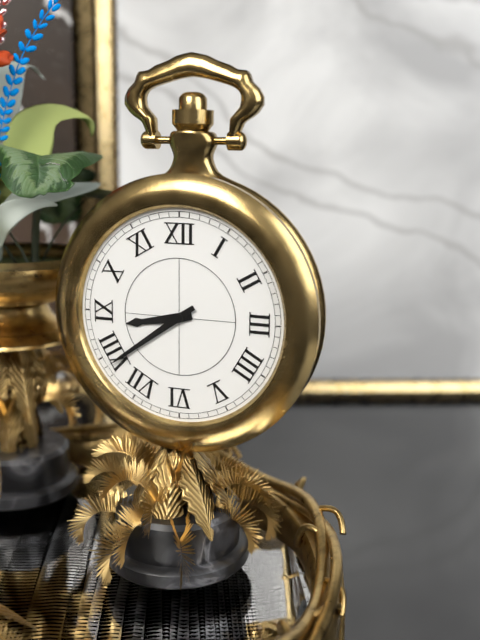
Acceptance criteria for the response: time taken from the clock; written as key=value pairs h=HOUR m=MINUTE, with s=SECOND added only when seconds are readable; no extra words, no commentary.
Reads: h=8 m=39
